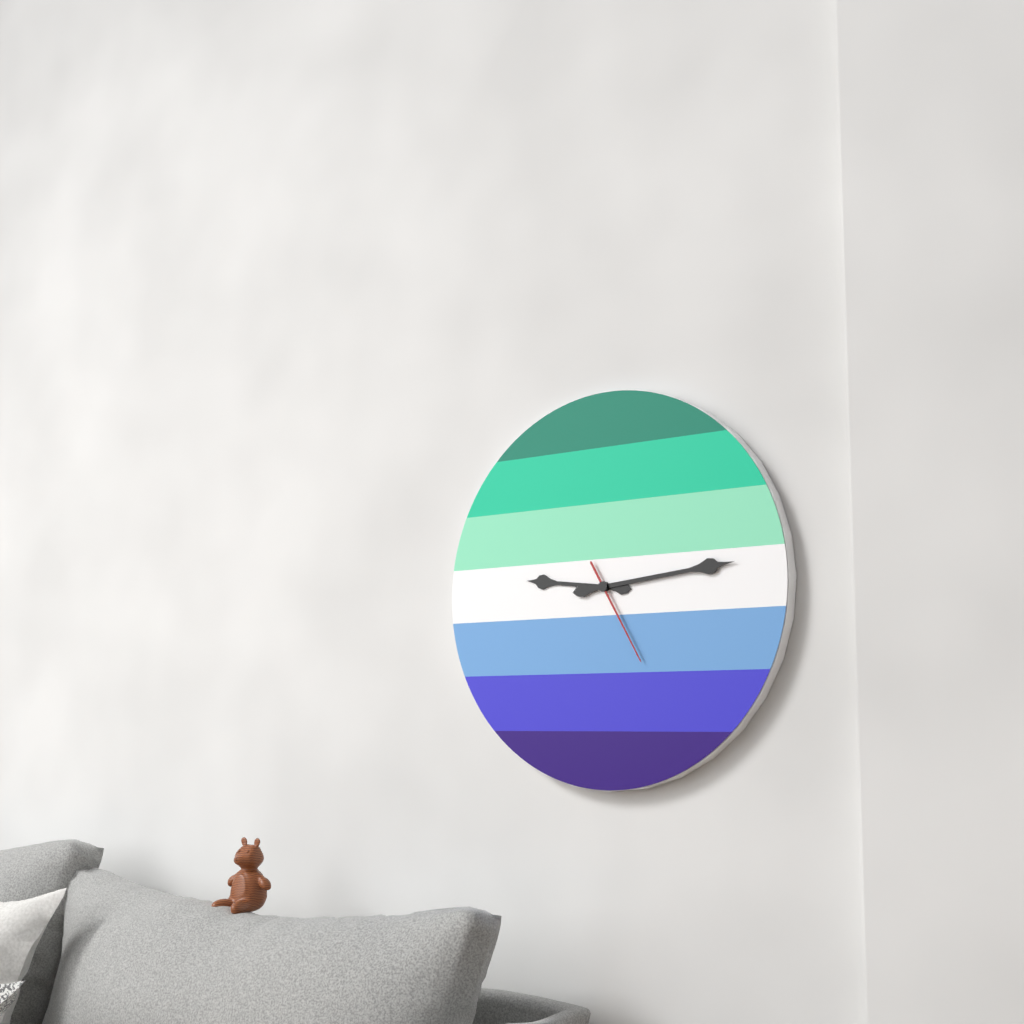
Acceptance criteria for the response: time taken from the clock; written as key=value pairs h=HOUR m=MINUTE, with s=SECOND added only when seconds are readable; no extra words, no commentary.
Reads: h=9 m=14 s=25
